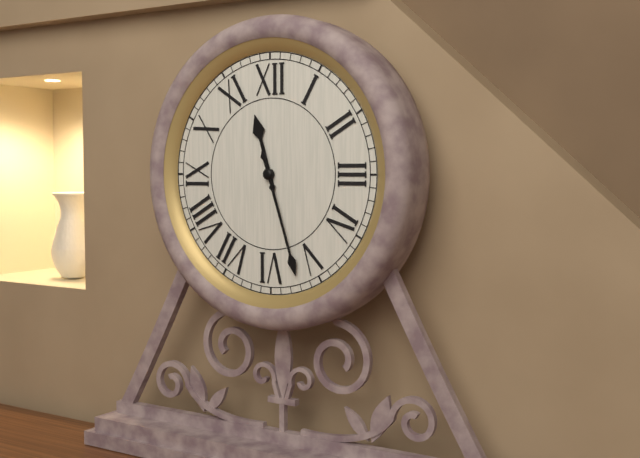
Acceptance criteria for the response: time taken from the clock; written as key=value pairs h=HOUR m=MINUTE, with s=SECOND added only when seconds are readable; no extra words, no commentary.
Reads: h=11 m=27
